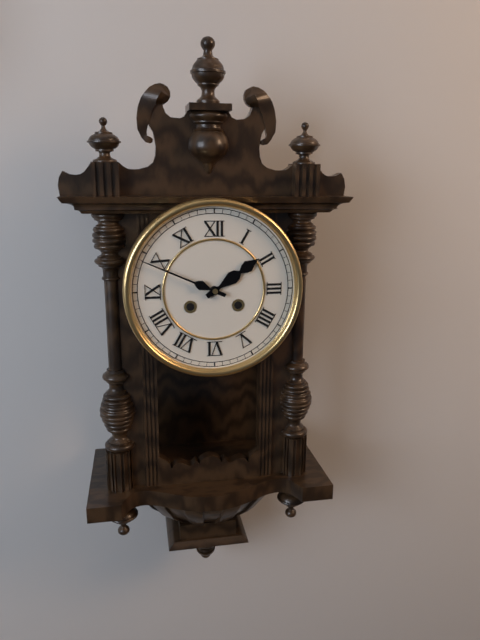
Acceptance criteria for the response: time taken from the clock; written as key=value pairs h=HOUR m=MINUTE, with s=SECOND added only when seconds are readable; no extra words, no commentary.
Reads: h=1 m=49
